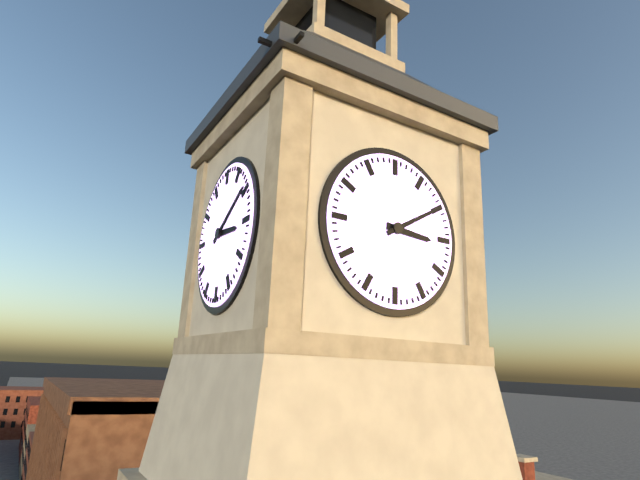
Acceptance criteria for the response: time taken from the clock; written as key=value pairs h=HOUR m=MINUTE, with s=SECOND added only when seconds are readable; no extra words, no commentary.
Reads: h=3 m=10
